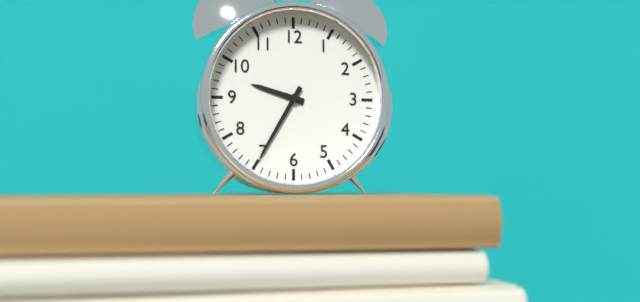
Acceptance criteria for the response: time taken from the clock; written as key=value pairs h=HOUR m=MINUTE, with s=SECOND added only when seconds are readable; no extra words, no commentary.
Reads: h=9 m=35
